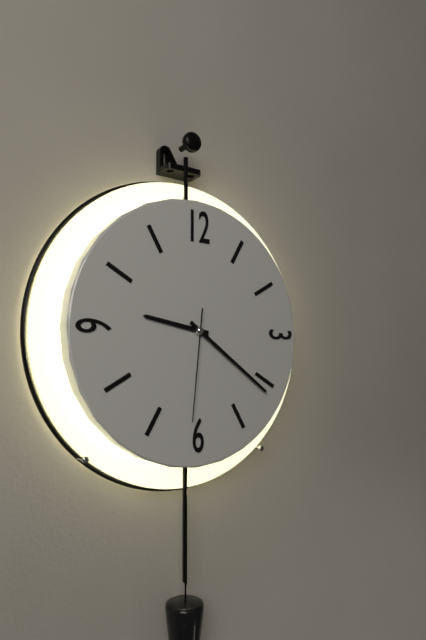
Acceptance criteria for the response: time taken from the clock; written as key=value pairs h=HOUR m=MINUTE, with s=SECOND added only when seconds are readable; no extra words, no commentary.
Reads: h=9 m=21 s=31
